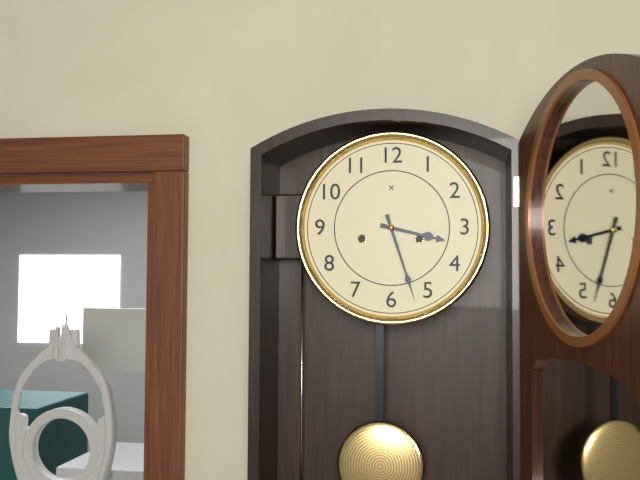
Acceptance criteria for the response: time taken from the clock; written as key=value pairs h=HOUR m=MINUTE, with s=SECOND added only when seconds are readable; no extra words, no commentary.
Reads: h=3 m=27
